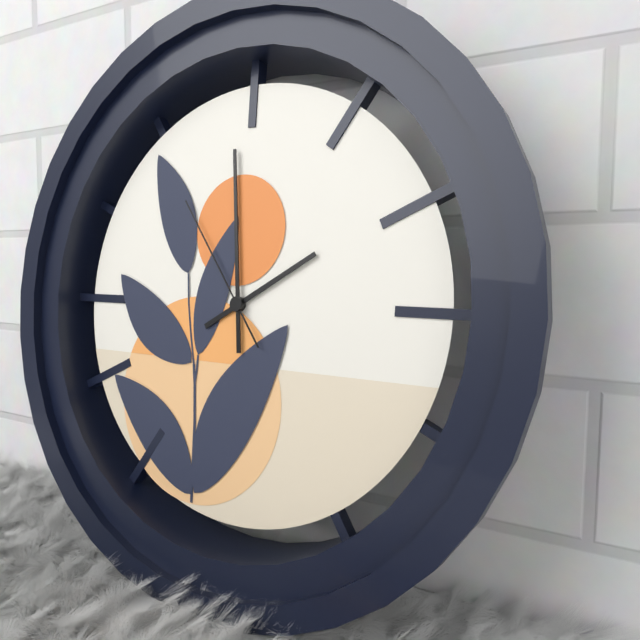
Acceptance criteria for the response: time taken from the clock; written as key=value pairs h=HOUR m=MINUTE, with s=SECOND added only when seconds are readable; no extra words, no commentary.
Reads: h=1 m=59 s=54
